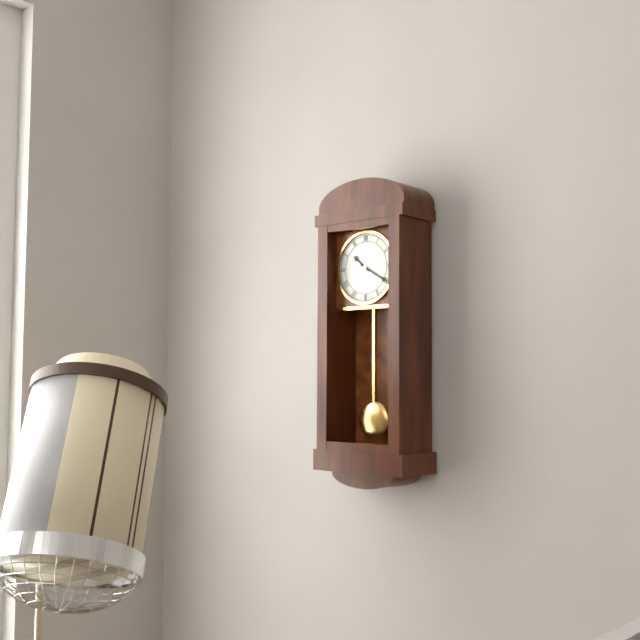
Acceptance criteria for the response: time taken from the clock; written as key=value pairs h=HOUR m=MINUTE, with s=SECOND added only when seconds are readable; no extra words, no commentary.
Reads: h=10 m=20
